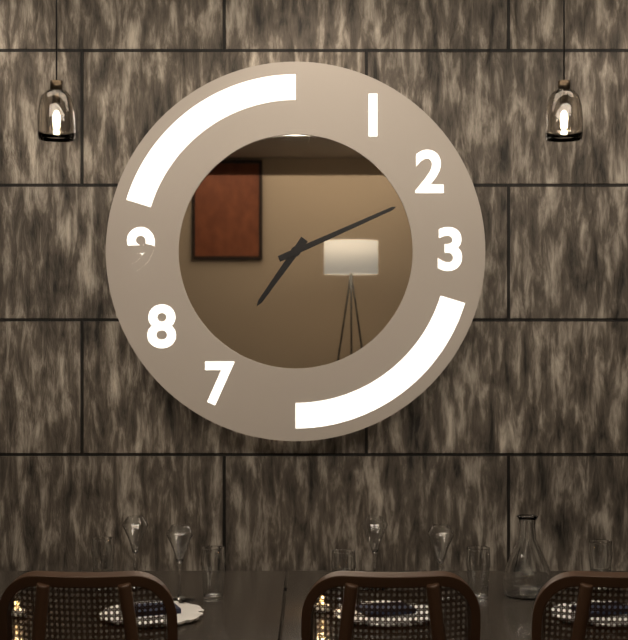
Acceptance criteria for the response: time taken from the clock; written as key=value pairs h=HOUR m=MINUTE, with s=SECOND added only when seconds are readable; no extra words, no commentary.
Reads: h=7 m=11
